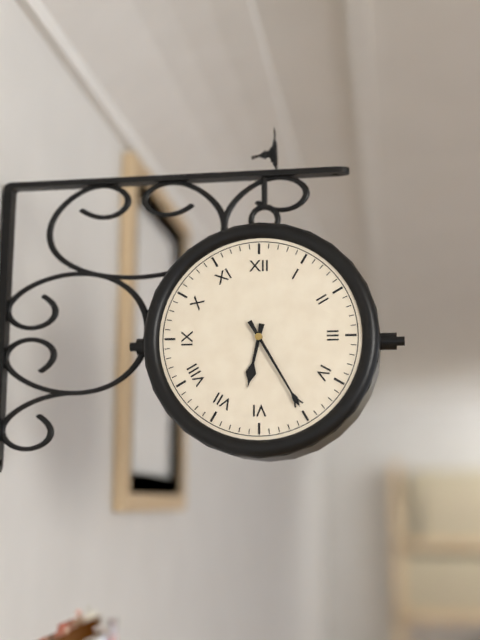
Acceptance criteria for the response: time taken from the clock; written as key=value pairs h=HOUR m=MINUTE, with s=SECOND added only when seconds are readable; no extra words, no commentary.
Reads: h=6 m=25
